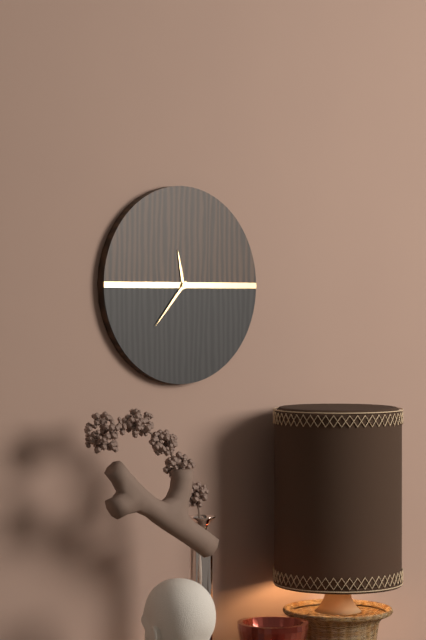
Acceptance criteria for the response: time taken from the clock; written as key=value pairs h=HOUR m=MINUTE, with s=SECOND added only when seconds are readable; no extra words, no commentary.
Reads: h=11 m=37
